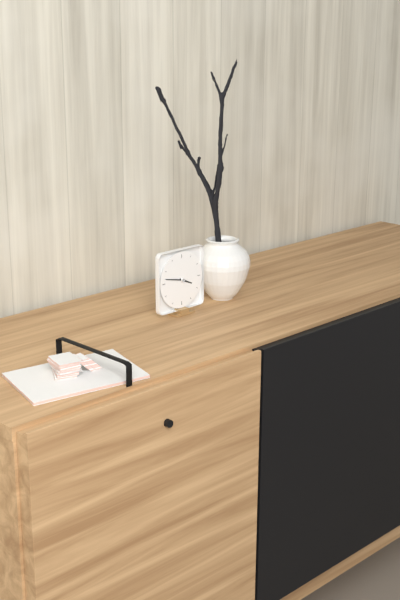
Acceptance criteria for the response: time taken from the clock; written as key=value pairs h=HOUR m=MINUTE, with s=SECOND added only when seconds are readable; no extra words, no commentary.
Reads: h=3 m=47
